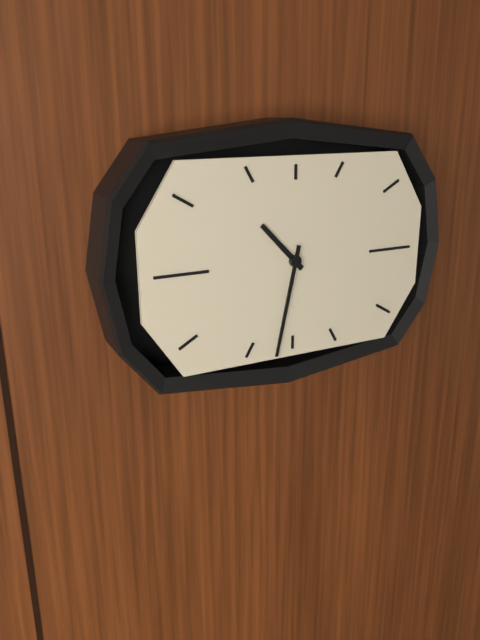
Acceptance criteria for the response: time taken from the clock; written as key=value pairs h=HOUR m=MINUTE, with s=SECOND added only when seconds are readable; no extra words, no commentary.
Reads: h=10 m=32
